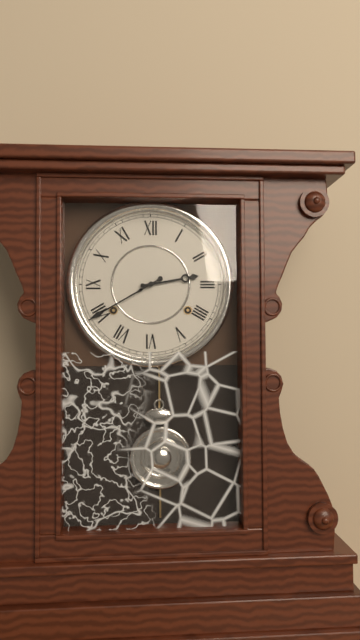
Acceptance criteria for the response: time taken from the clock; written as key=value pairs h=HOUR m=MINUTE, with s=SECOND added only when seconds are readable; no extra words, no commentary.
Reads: h=2 m=40
